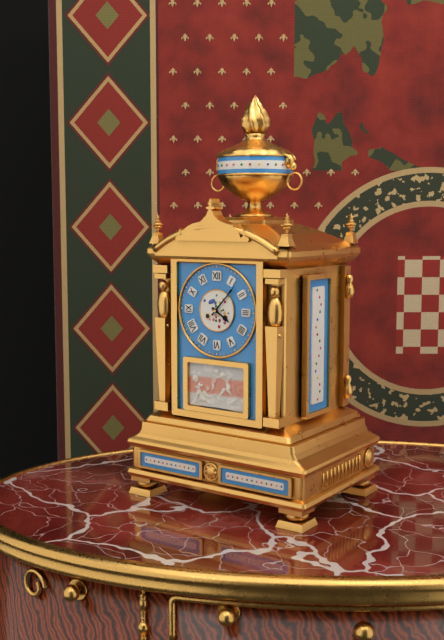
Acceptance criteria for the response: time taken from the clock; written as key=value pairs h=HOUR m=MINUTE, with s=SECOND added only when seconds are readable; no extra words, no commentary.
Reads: h=4 m=7
